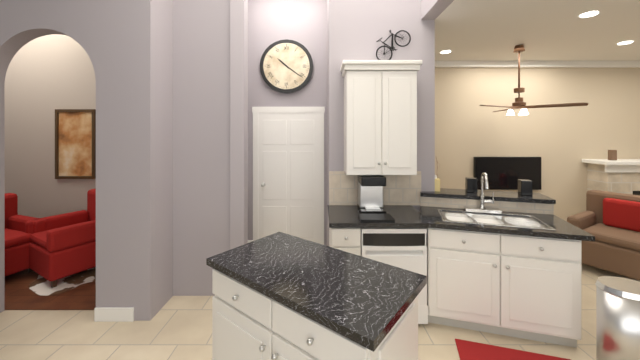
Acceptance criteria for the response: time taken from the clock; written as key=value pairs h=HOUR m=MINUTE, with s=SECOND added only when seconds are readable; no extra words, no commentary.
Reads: h=10 m=21
